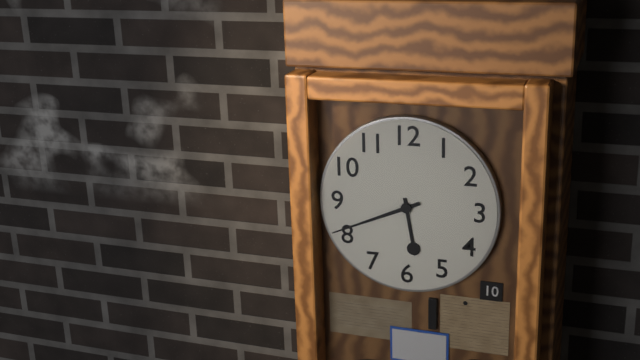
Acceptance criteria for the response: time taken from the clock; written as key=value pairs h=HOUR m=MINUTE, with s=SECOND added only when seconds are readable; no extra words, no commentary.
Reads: h=5 m=41
